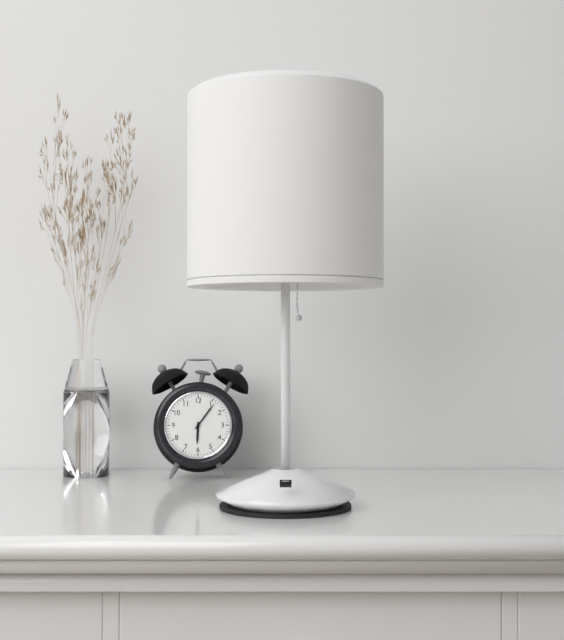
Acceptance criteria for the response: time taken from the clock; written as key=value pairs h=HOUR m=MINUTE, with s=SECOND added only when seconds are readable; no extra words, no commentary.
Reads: h=6 m=6
